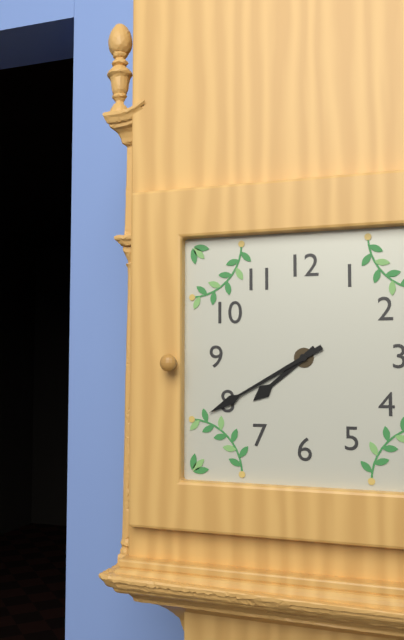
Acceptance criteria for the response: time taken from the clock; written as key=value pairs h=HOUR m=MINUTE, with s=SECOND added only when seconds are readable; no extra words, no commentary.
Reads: h=7 m=40
